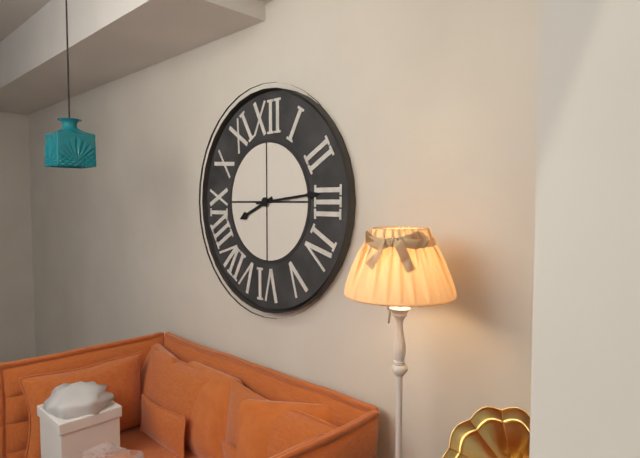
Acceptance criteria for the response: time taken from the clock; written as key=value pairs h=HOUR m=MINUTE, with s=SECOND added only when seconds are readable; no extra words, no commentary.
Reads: h=8 m=14
